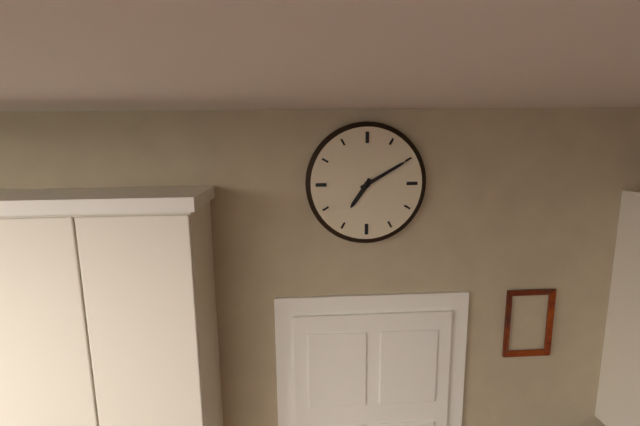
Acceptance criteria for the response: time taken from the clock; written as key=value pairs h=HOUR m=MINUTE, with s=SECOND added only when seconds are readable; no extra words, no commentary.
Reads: h=7 m=10
